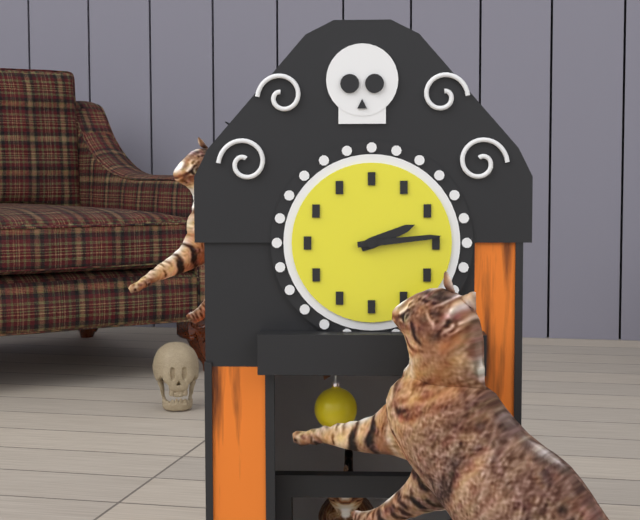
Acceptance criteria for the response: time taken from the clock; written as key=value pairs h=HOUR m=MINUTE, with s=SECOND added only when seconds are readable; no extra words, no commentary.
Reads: h=2 m=14
